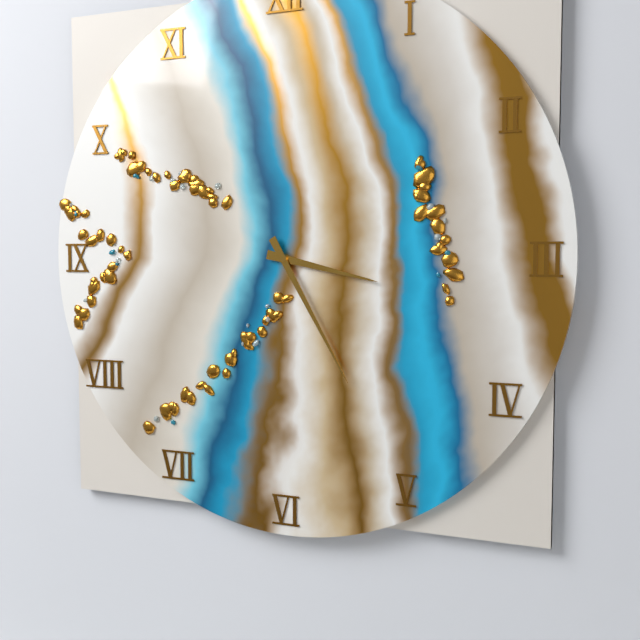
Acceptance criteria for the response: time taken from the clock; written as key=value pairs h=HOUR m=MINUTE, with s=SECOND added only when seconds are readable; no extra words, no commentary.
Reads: h=3 m=25
